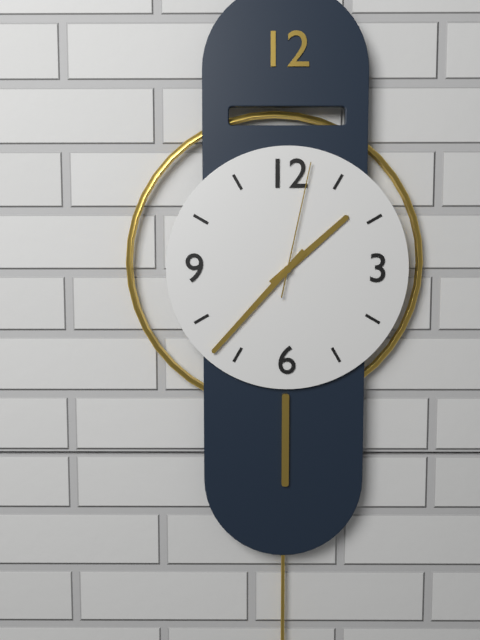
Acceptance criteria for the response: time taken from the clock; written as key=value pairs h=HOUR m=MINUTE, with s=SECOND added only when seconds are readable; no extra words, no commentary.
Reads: h=1 m=37 s=2
